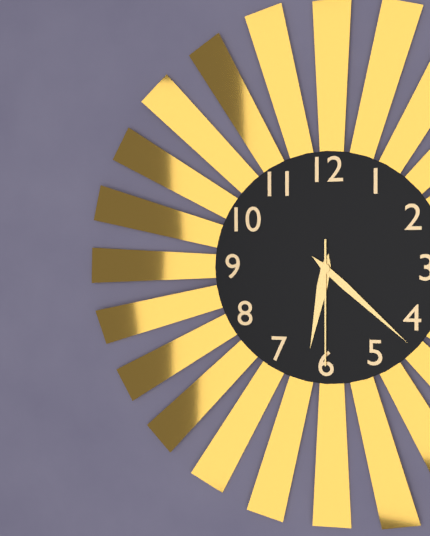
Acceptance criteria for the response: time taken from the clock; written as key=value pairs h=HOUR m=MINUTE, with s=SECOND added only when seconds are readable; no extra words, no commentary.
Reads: h=6 m=22 s=30
